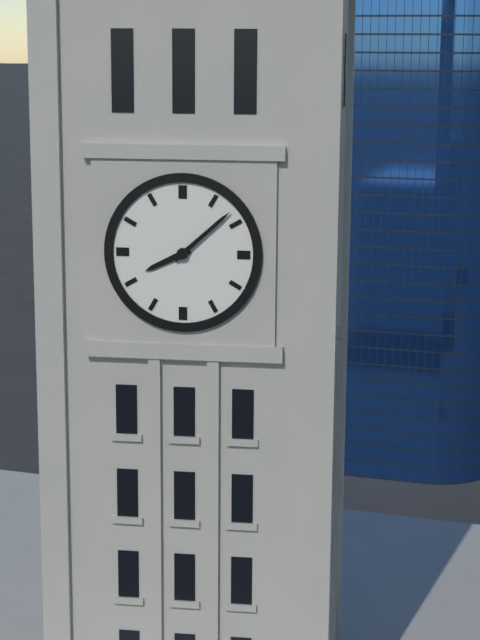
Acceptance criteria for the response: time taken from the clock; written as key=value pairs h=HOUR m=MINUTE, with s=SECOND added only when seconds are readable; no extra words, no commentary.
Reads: h=8 m=8
